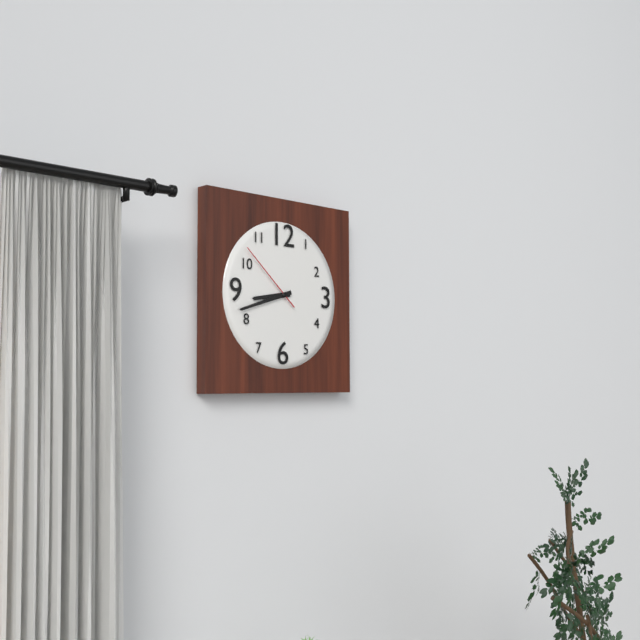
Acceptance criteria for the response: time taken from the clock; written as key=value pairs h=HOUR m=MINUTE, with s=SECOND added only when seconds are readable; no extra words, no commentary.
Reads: h=8 m=42 s=52
